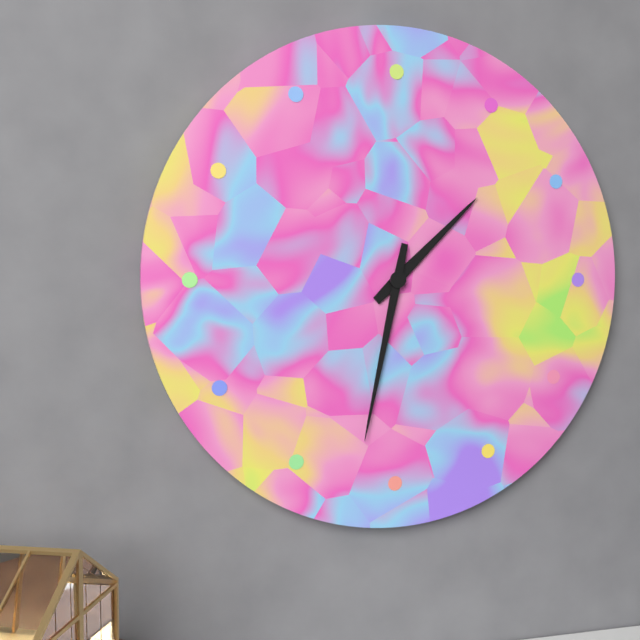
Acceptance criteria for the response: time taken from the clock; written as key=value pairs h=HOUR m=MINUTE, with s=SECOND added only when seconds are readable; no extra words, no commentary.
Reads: h=1 m=32
